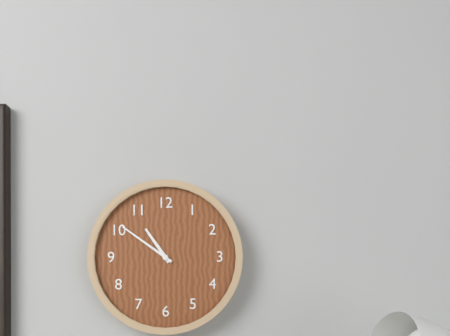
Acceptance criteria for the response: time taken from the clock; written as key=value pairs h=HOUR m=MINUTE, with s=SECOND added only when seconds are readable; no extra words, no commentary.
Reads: h=10 m=51
